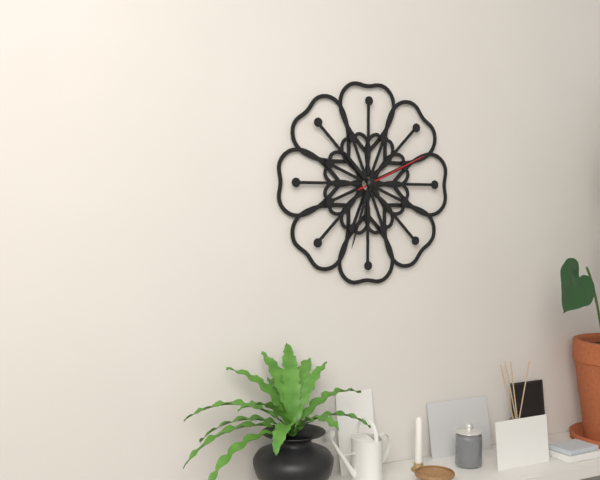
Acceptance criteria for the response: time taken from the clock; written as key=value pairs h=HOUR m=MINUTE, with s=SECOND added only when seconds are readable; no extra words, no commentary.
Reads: h=10 m=33 s=11
